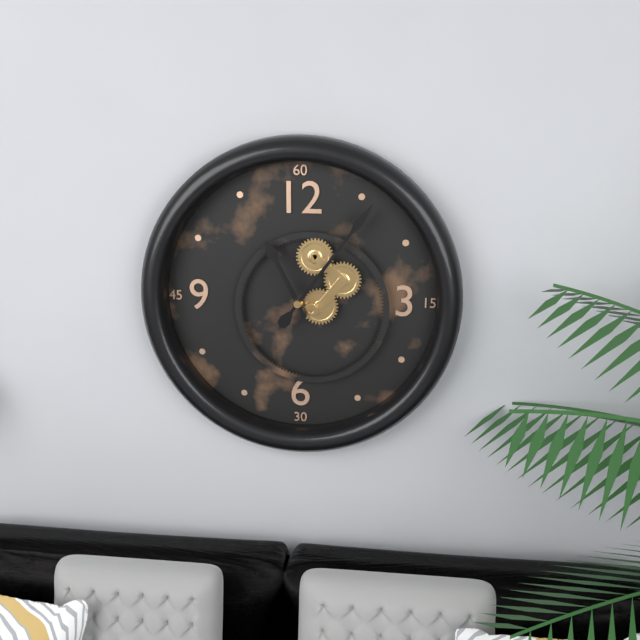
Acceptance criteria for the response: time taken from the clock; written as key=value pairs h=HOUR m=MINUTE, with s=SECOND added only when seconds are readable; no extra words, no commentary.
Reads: h=11 m=6
